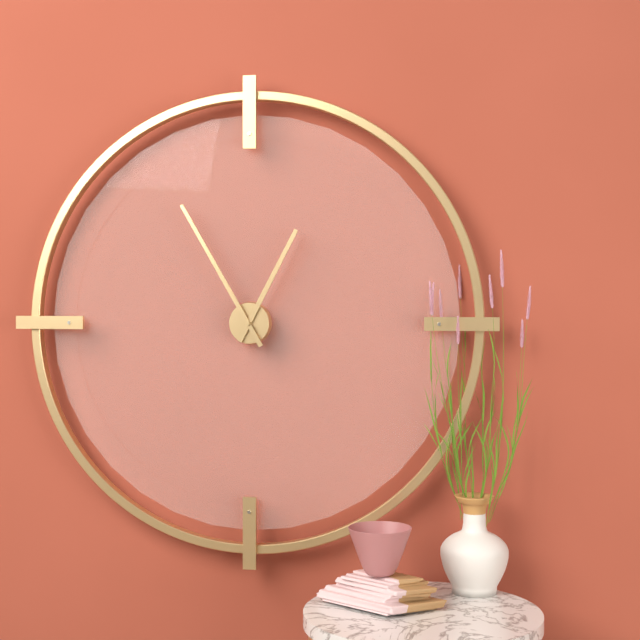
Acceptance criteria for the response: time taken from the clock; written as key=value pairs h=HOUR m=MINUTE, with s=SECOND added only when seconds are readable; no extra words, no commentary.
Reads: h=12 m=55
